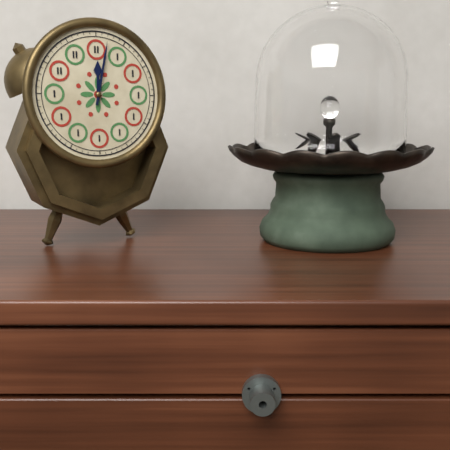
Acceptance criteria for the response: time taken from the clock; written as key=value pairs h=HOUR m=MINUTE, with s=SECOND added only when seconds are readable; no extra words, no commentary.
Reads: h=12 m=2
